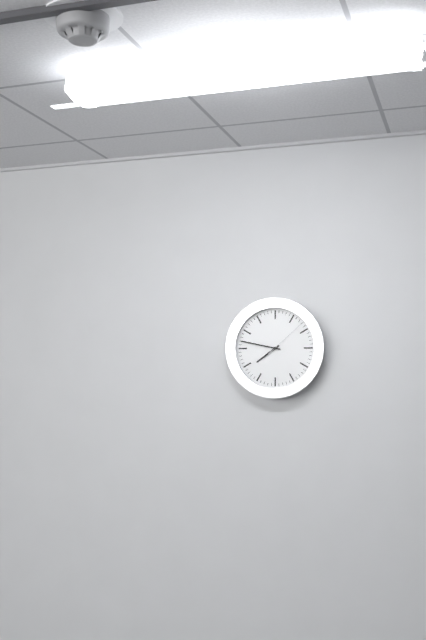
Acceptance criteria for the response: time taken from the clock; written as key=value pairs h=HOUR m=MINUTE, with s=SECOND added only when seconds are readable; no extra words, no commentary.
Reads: h=7 m=47
